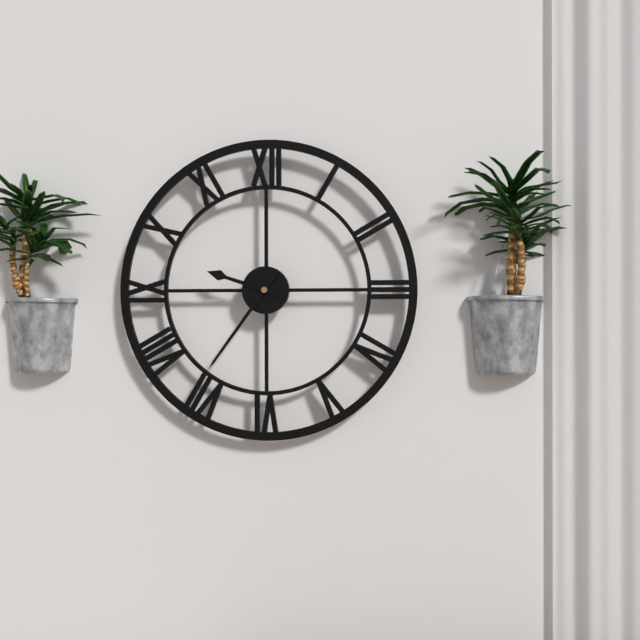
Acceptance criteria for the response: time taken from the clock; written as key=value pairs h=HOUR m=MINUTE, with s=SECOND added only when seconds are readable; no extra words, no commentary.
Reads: h=9 m=36
